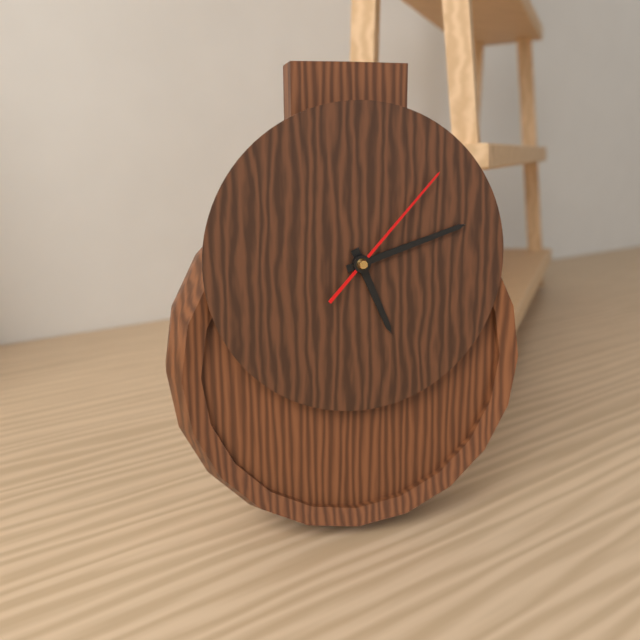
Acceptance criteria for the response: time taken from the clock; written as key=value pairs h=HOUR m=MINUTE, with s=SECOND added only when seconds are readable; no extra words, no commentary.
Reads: h=5 m=12 s=7
